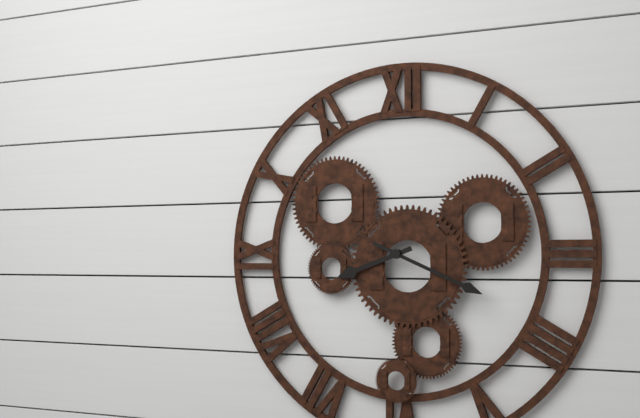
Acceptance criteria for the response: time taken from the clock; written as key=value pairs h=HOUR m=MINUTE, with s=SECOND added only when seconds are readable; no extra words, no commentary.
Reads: h=8 m=19
